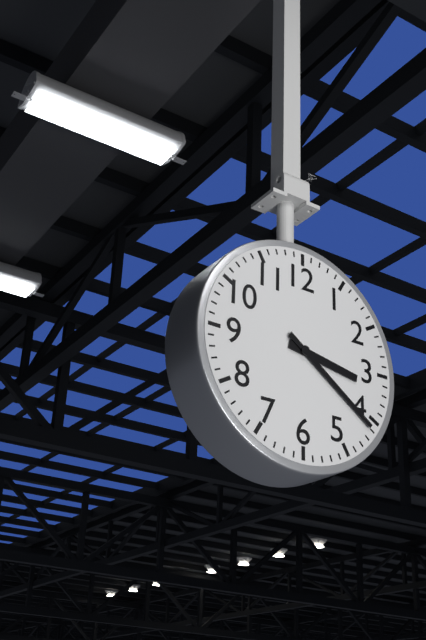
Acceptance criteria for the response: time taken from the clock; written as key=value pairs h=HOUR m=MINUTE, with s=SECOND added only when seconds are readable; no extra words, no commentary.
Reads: h=3 m=21
